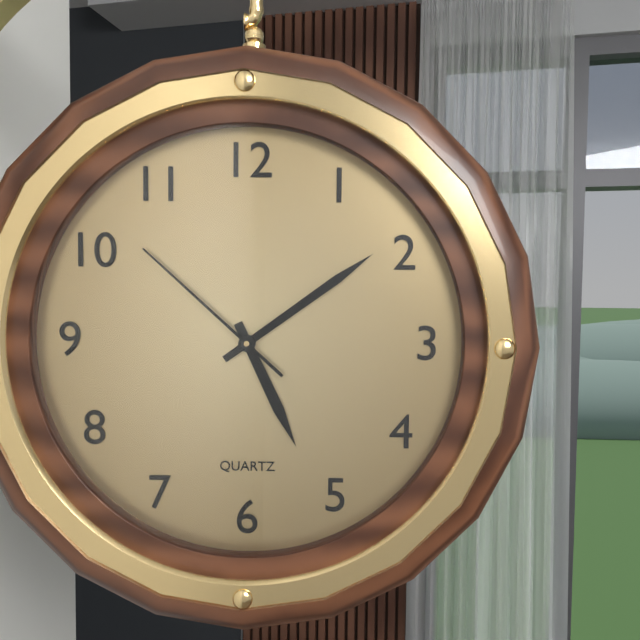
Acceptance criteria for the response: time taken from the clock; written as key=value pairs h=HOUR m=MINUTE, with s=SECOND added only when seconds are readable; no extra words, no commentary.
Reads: h=5 m=9 s=52
